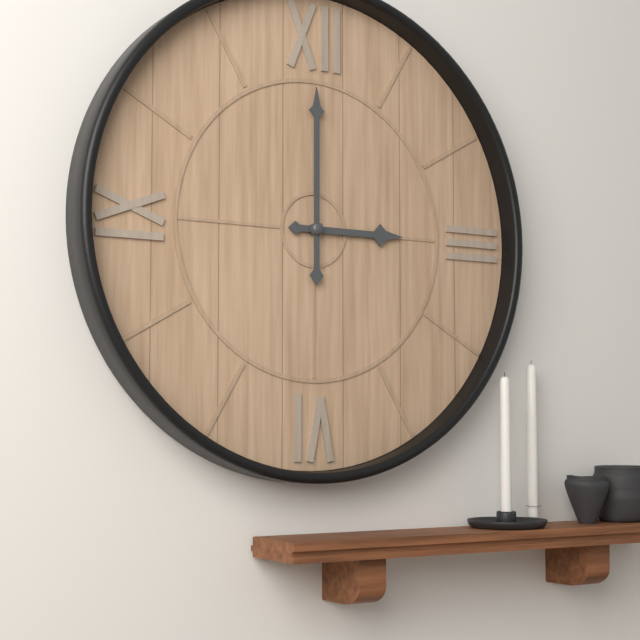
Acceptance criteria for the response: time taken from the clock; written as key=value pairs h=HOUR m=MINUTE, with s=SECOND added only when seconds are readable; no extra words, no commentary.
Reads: h=3 m=0
